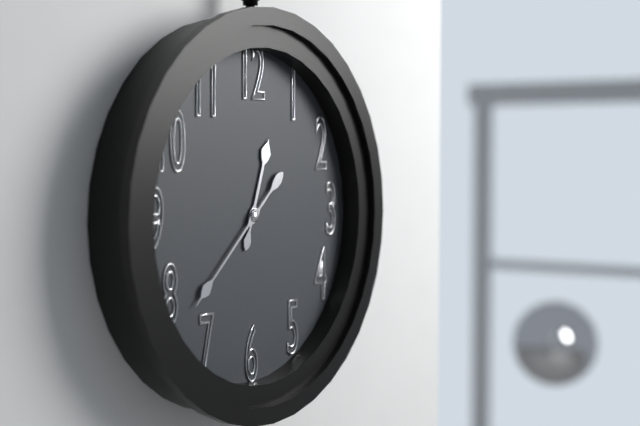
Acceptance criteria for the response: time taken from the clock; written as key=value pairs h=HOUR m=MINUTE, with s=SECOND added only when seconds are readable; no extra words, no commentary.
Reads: h=12 m=38
